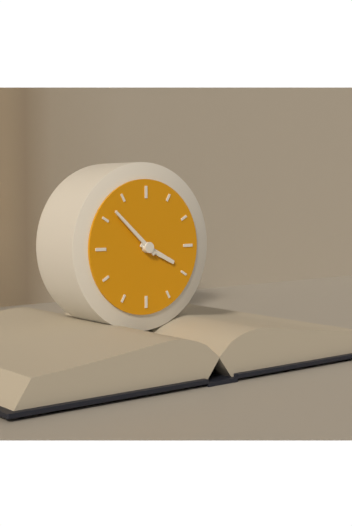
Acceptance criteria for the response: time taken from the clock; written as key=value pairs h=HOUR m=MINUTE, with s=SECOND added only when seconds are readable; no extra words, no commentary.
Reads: h=3 m=52
